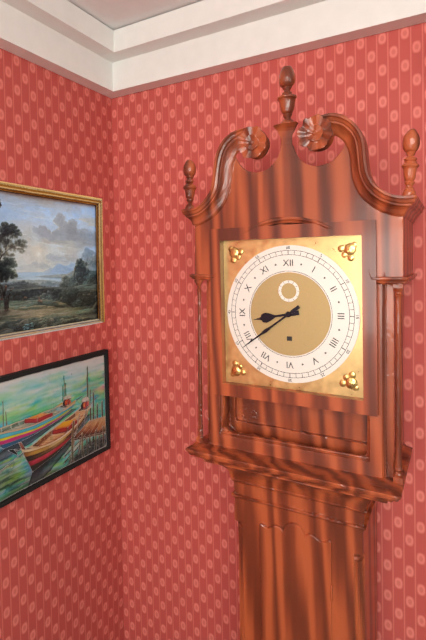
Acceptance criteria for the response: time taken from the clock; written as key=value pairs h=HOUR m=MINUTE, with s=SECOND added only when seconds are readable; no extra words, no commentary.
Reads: h=8 m=39
